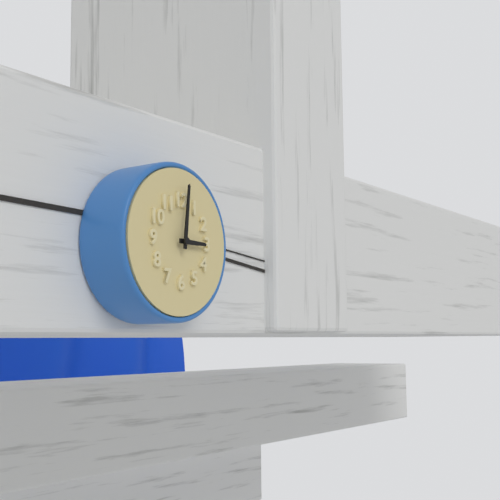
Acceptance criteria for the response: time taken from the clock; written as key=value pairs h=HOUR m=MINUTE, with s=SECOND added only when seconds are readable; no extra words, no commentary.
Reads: h=3 m=1
